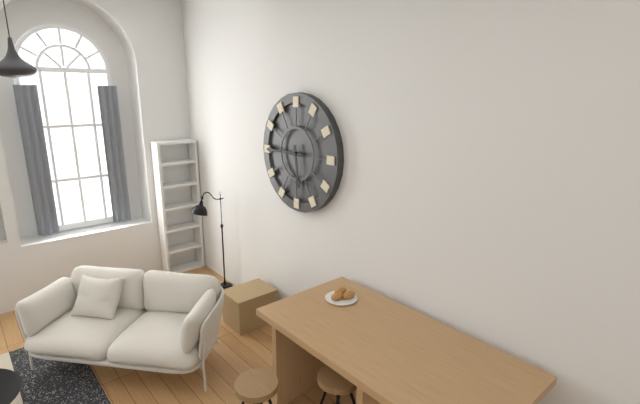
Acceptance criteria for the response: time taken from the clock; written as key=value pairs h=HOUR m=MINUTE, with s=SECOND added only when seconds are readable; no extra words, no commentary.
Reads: h=5 m=45
